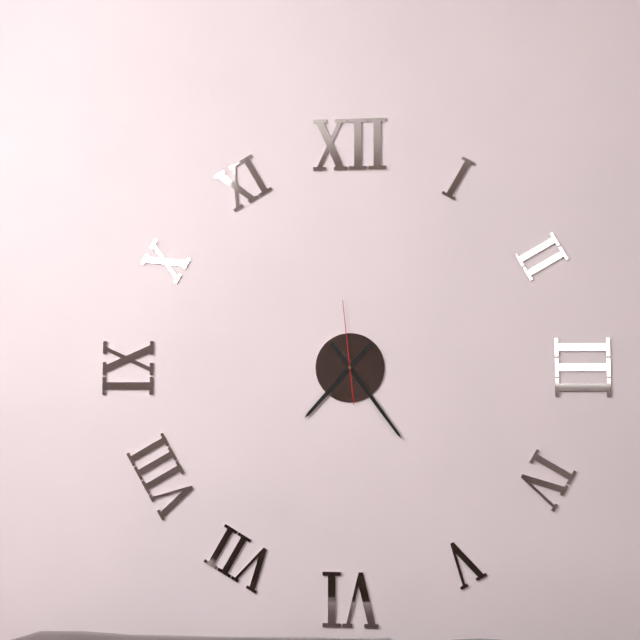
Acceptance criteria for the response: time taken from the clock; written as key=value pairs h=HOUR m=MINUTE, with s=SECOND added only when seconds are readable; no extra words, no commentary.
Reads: h=7 m=24 s=59
